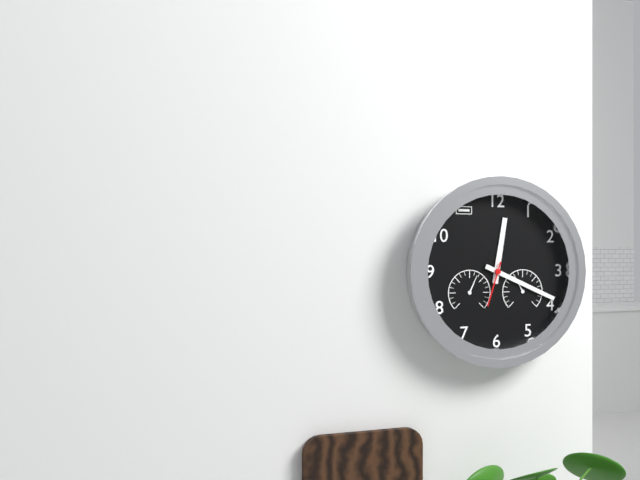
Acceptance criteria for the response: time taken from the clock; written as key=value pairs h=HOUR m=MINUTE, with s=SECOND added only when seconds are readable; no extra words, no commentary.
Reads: h=12 m=19
